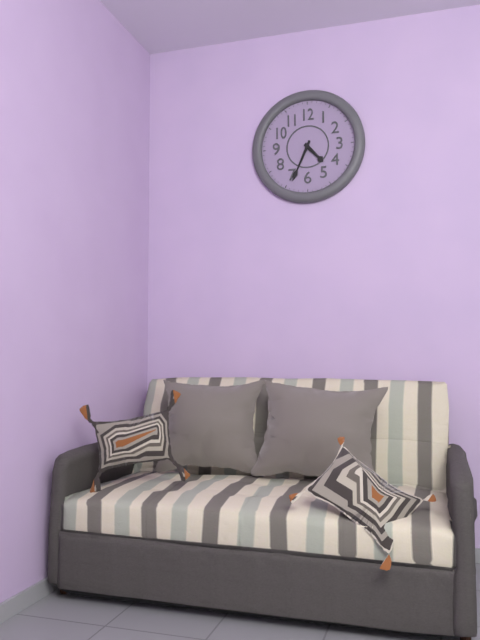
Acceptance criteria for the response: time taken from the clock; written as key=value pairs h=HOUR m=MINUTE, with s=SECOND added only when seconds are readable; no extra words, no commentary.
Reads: h=4 m=34
